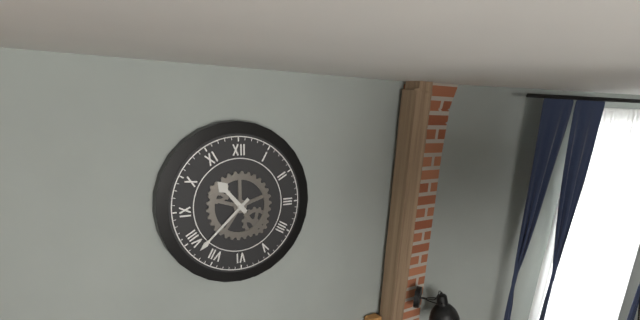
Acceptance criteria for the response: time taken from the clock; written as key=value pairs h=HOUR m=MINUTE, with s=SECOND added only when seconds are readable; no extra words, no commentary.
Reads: h=10 m=38
